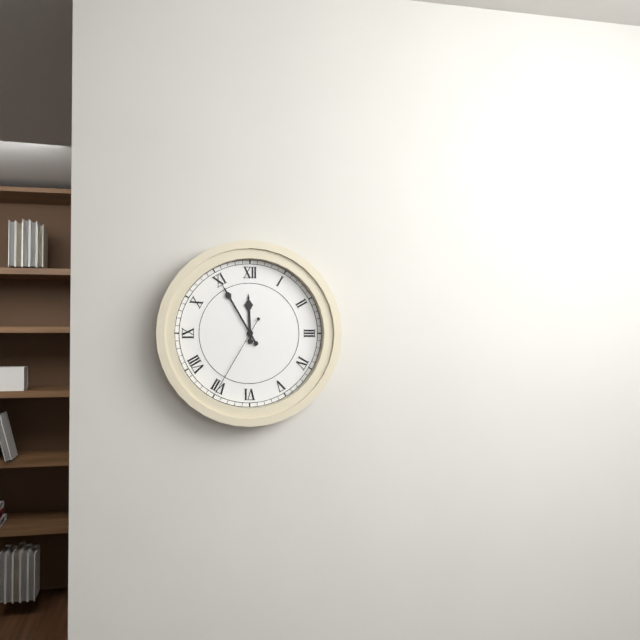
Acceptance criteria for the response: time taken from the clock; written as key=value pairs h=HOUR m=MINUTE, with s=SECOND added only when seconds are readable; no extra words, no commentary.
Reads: h=11 m=55 s=35
